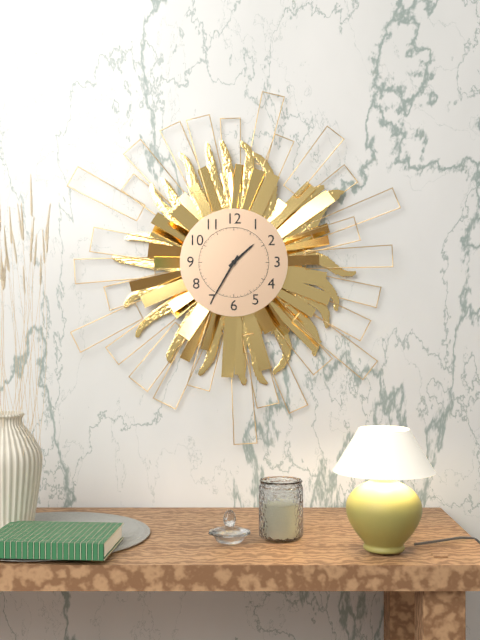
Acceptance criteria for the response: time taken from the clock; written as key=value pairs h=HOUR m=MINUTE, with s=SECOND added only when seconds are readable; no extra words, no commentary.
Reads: h=1 m=35
